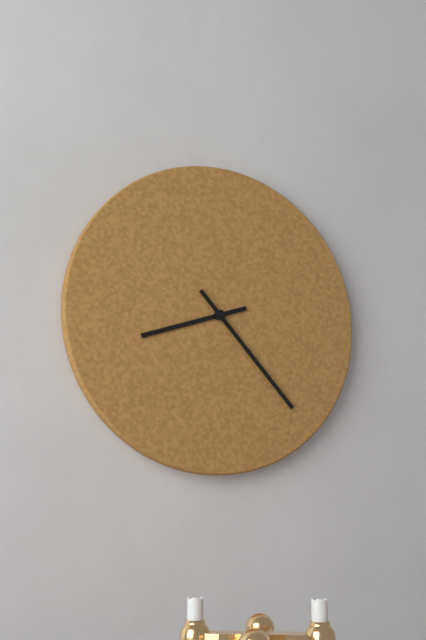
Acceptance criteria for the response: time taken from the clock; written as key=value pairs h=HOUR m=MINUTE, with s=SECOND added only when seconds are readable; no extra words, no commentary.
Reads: h=8 m=23
